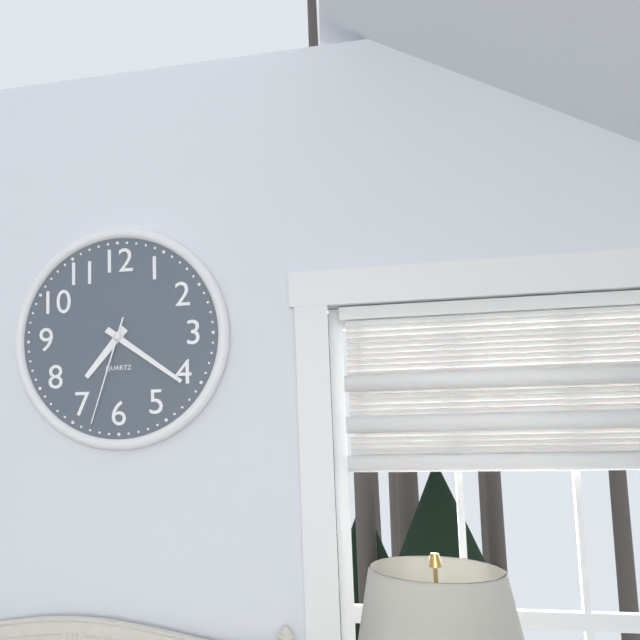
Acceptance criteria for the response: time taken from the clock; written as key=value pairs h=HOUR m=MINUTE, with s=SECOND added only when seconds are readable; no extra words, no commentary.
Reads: h=7 m=21 s=33
